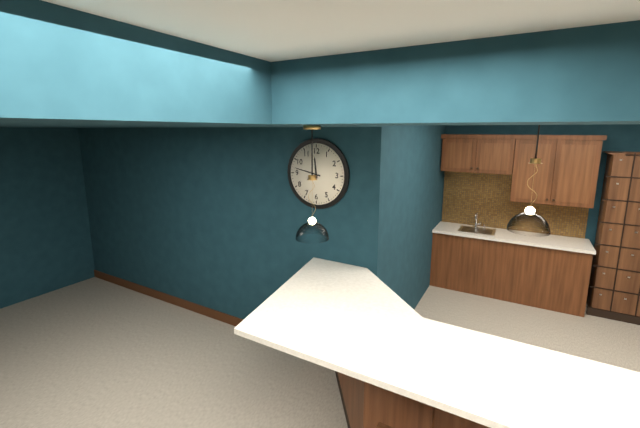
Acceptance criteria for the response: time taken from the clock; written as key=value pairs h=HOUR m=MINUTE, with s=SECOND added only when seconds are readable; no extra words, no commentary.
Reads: h=11 m=47
